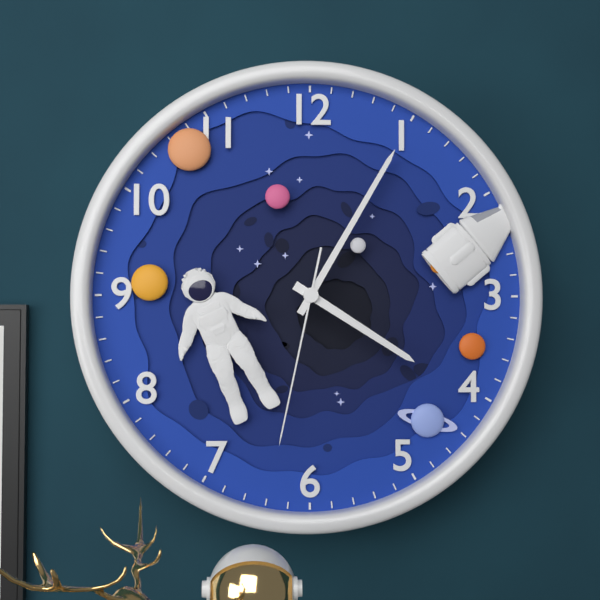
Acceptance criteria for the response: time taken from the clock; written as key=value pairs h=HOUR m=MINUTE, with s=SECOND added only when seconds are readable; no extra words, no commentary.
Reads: h=4 m=5 s=32
